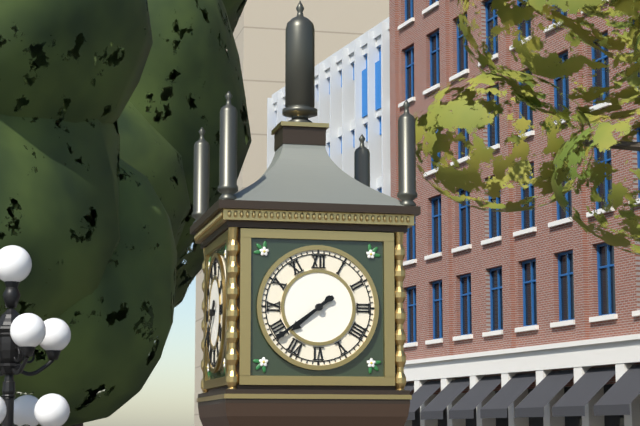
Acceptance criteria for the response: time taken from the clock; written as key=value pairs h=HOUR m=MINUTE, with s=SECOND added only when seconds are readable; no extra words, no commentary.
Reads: h=7 m=39
